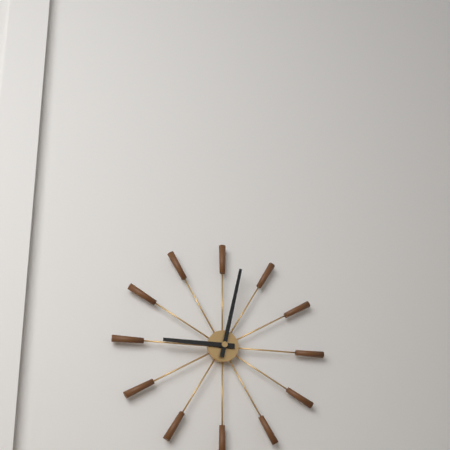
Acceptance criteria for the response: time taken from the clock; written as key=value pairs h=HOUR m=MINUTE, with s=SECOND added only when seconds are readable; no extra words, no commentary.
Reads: h=9 m=2
